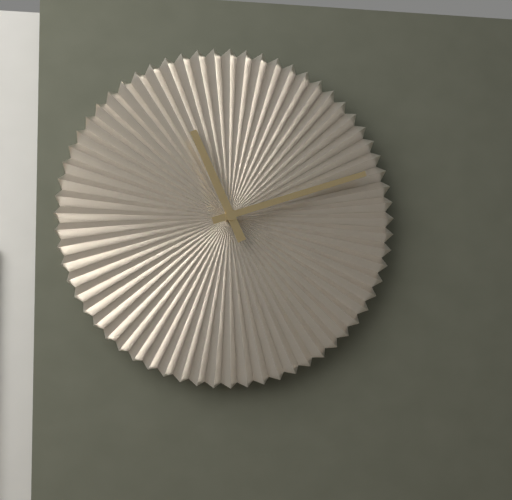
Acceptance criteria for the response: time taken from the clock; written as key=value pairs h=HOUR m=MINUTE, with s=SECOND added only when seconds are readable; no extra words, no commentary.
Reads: h=11 m=12
